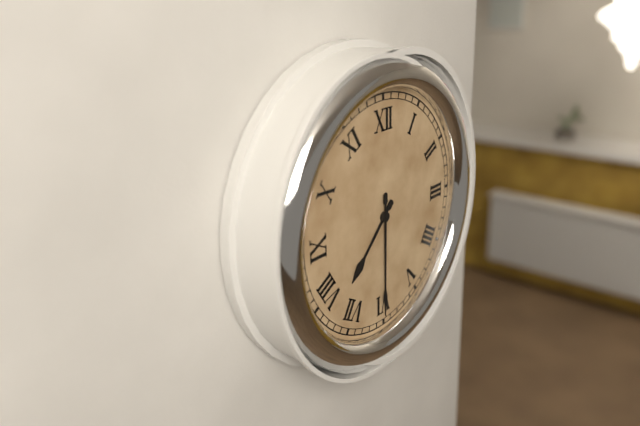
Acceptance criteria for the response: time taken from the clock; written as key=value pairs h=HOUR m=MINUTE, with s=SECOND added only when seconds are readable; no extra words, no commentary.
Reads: h=7 m=30
